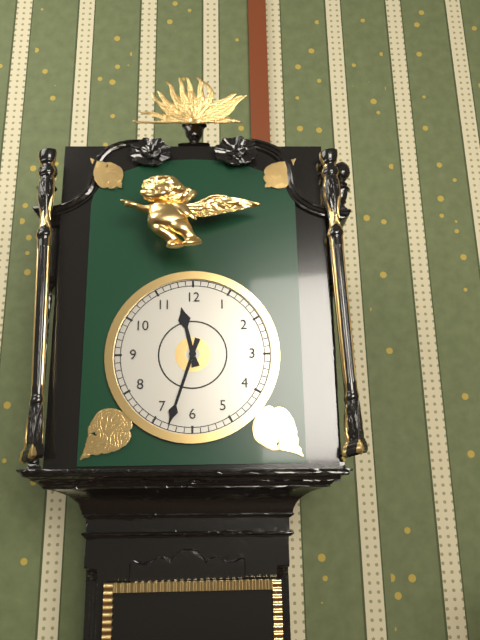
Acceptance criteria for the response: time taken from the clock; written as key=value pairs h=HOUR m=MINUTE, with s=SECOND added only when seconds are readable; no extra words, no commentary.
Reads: h=11 m=33
